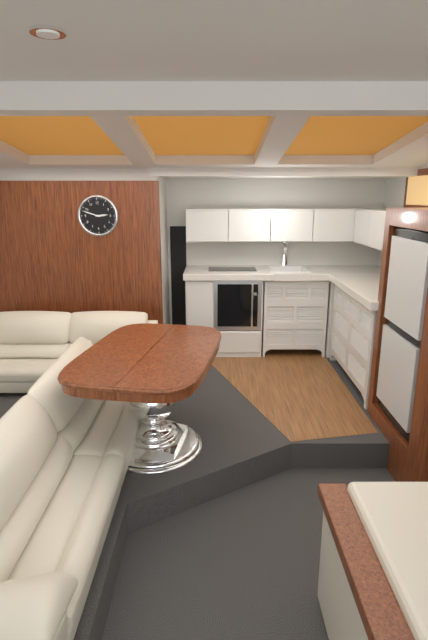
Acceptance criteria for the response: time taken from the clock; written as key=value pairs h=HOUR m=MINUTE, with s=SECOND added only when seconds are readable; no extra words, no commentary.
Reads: h=2 m=48
